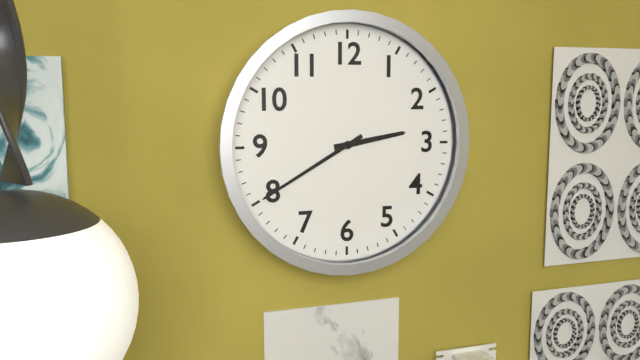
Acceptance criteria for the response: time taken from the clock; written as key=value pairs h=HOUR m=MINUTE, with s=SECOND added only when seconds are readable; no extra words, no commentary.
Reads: h=2 m=40
